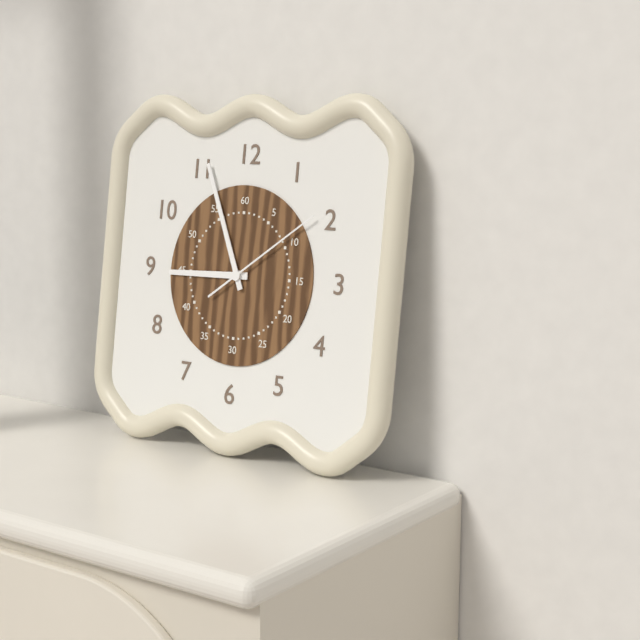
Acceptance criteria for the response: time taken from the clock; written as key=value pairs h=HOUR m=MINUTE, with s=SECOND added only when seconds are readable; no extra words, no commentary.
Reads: h=8 m=56 s=9
